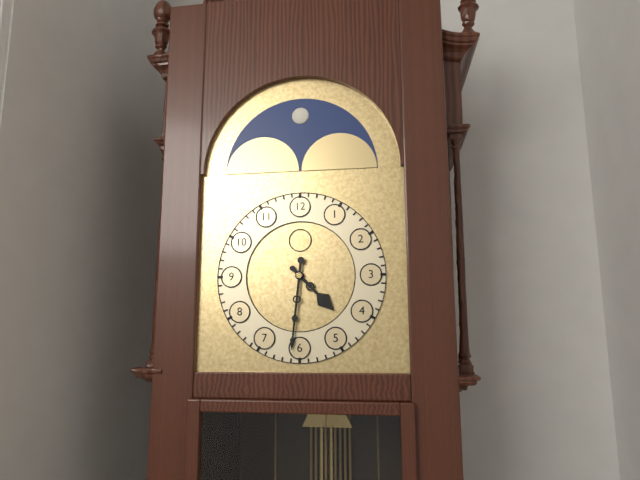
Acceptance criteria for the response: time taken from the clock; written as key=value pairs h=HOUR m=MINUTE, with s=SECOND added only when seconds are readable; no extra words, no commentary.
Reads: h=4 m=31
